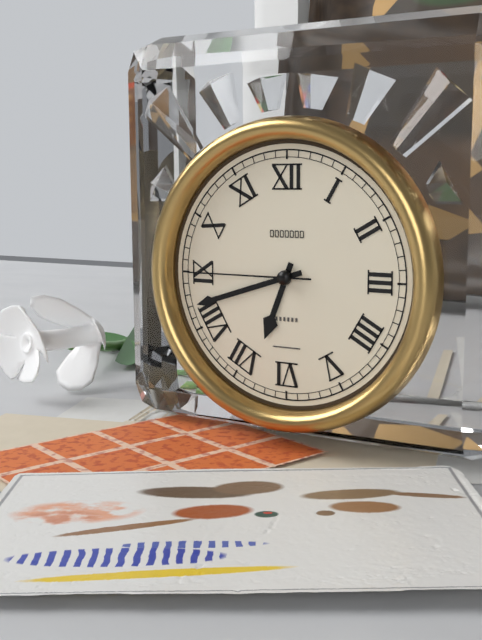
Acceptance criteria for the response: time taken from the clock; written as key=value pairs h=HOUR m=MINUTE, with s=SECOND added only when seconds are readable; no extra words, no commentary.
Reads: h=6 m=42 s=45
